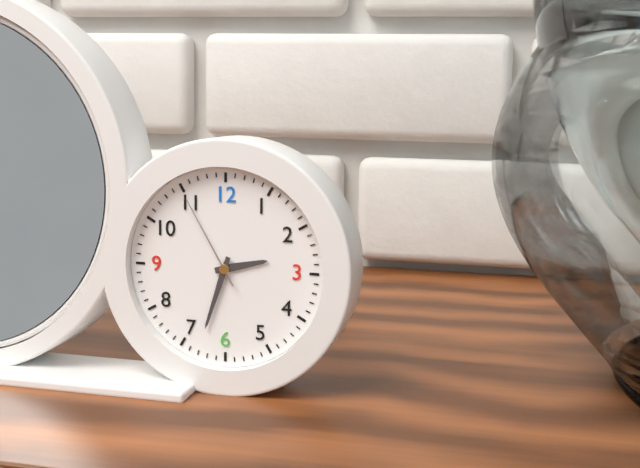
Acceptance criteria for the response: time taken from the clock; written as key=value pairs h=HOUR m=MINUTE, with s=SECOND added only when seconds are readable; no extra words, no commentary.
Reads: h=2 m=33 s=55
